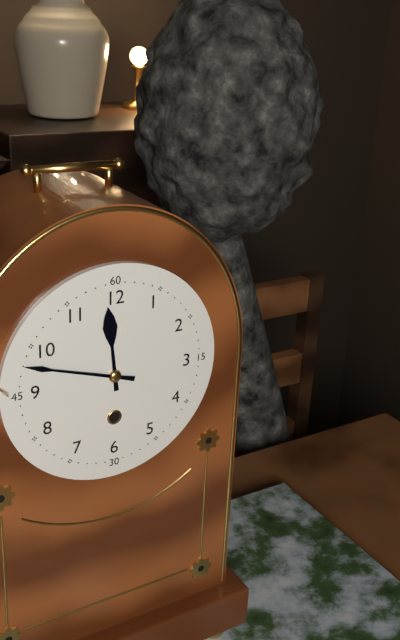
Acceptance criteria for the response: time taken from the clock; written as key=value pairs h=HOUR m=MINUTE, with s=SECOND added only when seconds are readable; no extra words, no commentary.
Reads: h=11 m=48
